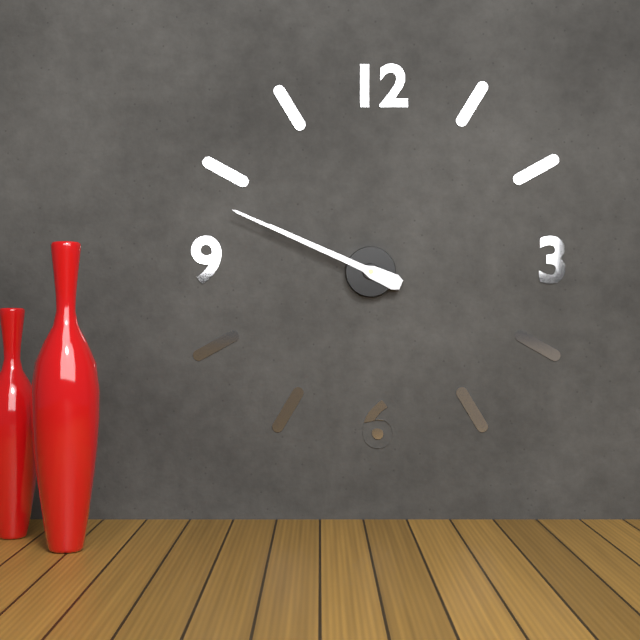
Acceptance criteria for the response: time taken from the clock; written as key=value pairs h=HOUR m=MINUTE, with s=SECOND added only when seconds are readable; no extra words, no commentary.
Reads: h=9 m=49
